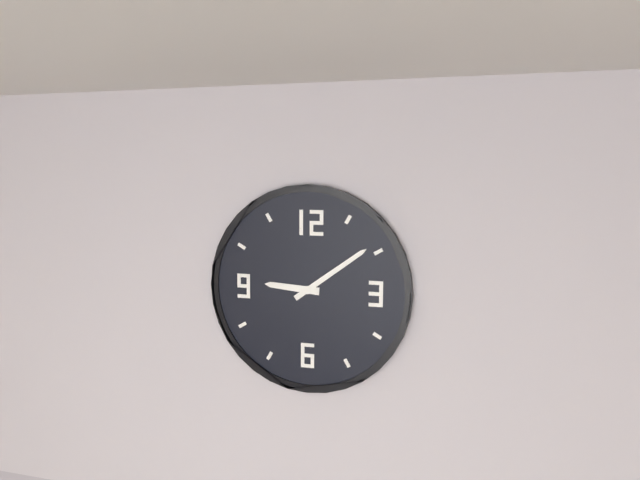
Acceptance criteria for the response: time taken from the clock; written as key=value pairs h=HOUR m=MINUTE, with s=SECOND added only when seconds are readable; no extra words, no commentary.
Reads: h=9 m=9
